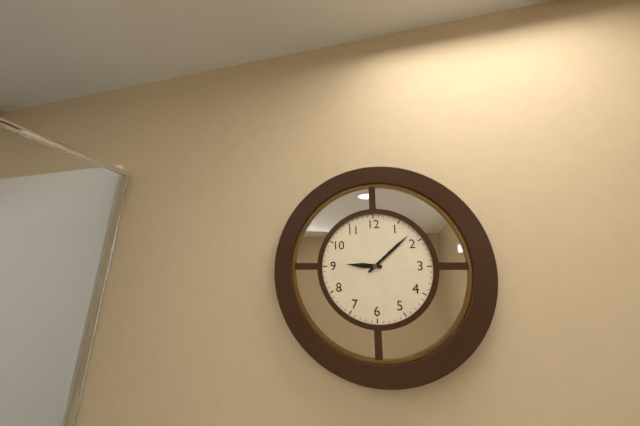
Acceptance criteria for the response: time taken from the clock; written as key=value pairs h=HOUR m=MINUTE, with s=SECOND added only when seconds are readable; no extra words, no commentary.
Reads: h=9 m=8
